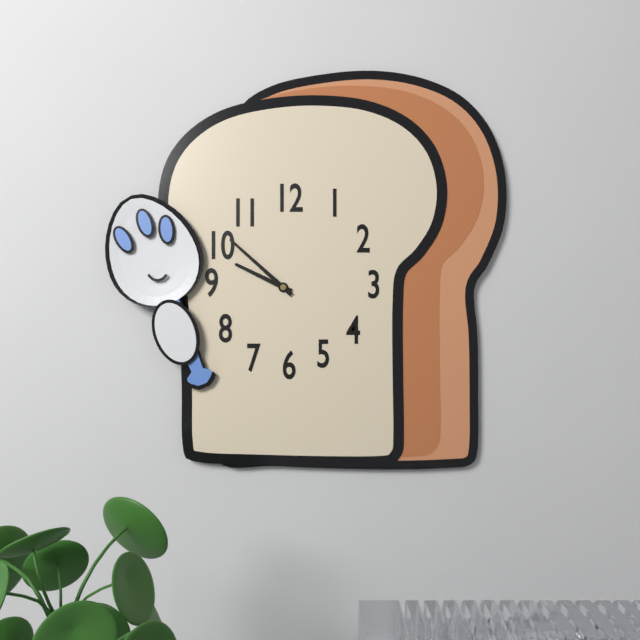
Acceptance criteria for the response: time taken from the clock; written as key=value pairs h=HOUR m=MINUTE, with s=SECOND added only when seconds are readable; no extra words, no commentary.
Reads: h=9 m=52
